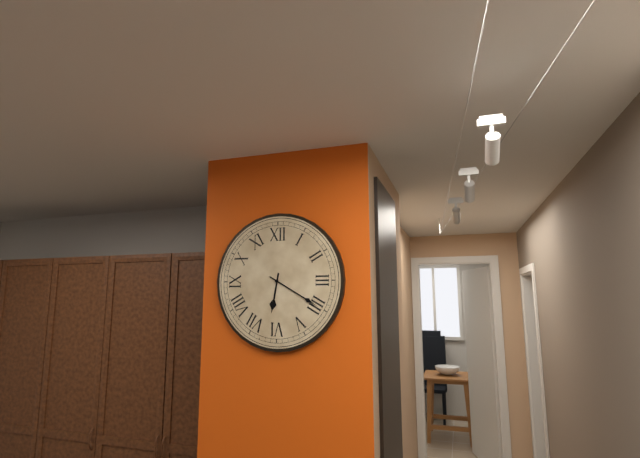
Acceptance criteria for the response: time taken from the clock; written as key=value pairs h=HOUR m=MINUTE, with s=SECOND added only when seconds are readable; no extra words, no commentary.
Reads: h=6 m=20
